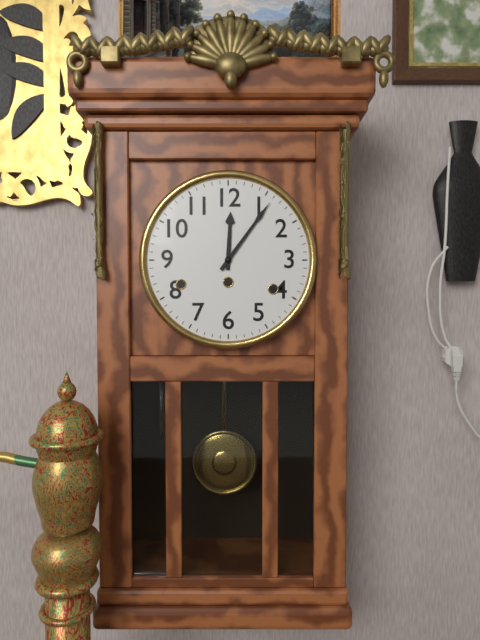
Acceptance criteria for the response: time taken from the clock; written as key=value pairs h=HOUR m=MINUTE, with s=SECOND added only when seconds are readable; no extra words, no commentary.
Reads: h=12 m=6
